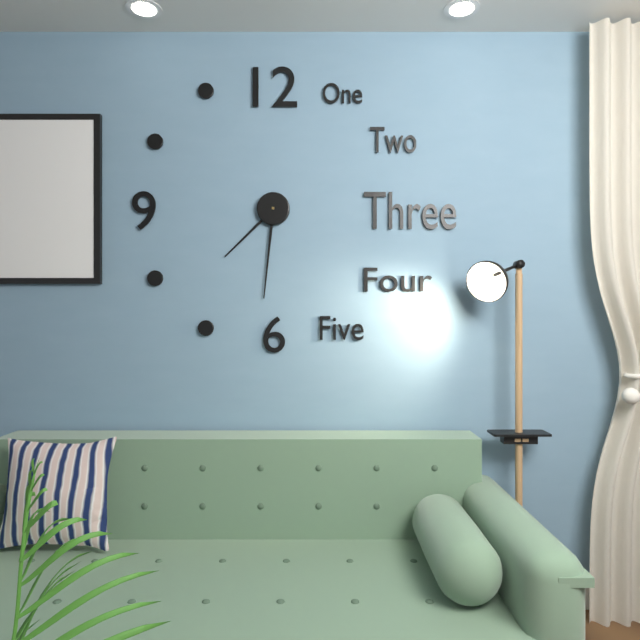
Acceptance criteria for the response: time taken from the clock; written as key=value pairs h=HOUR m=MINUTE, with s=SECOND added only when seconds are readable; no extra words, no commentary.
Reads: h=7 m=31
